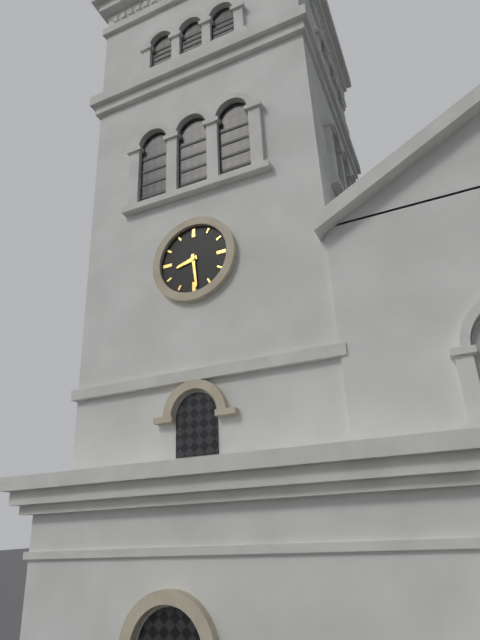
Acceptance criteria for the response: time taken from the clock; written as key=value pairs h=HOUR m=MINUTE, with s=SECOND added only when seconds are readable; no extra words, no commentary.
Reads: h=8 m=29
